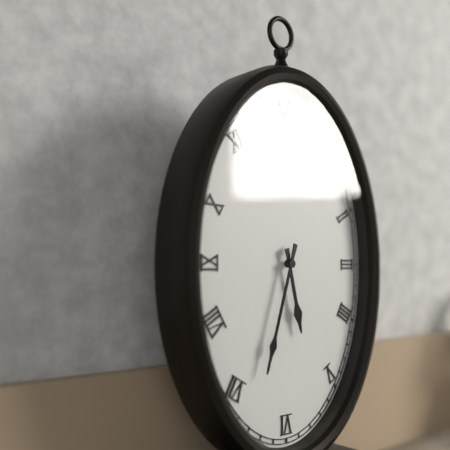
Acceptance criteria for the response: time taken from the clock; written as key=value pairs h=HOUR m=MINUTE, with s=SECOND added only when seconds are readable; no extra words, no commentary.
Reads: h=5 m=33
